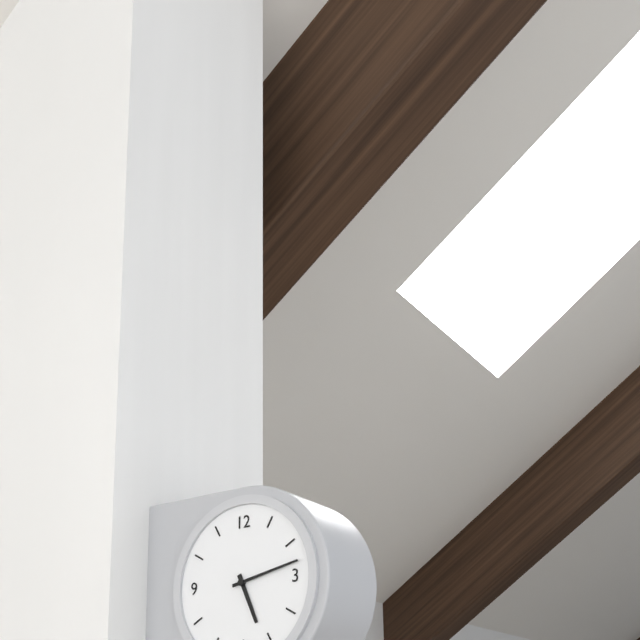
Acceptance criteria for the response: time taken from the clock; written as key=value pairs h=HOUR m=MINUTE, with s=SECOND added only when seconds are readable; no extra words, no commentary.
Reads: h=5 m=13
